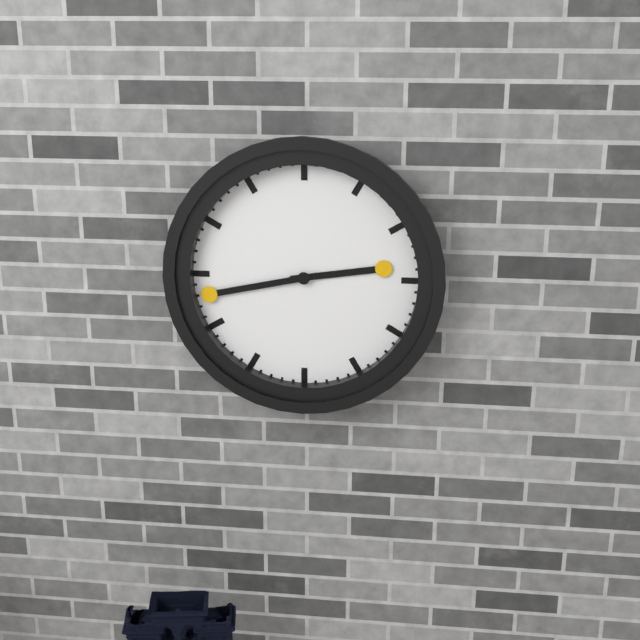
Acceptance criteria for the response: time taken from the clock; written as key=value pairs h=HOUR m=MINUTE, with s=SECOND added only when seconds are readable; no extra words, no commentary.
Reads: h=2 m=43
